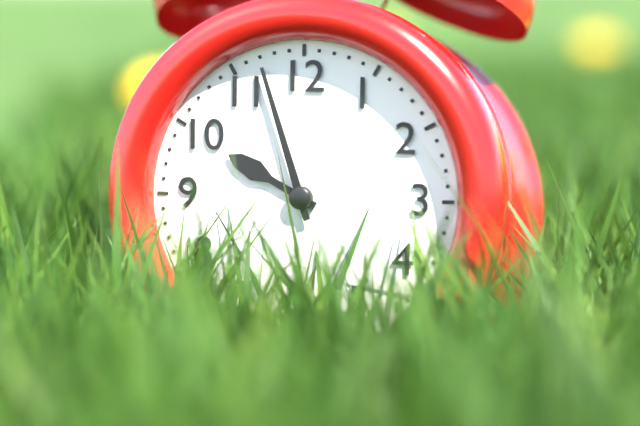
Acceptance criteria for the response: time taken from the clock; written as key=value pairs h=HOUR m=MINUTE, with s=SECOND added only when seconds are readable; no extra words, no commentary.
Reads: h=9 m=57
